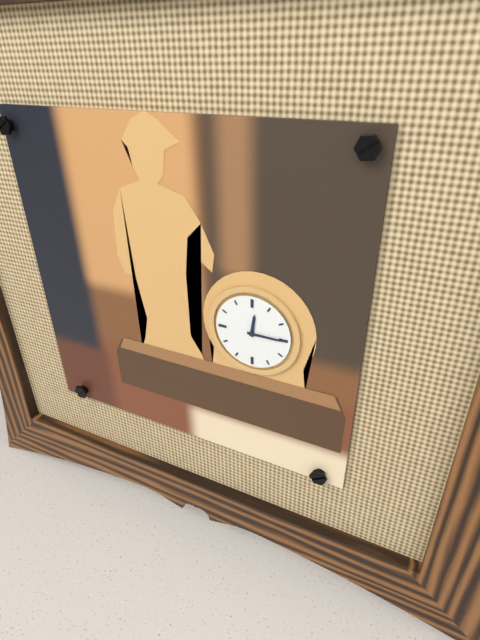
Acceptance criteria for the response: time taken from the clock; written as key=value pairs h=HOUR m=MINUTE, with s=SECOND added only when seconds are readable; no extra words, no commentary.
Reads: h=12 m=15
